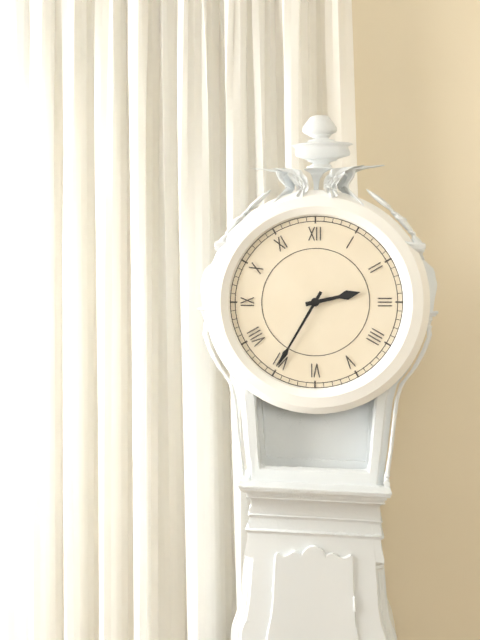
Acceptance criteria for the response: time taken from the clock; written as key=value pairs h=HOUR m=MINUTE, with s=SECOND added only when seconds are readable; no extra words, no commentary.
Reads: h=2 m=35
